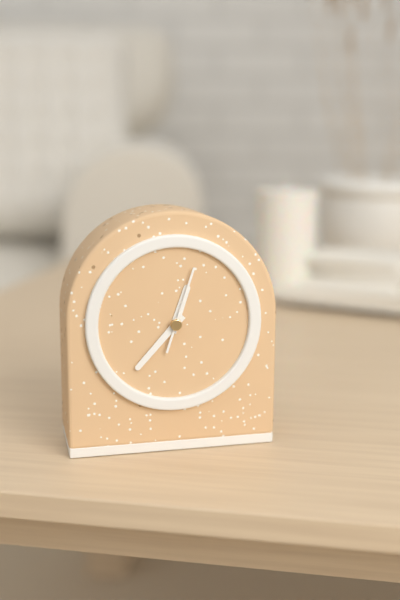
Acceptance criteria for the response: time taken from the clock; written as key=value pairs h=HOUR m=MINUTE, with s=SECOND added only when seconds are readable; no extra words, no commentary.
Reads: h=12 m=37 s=3
